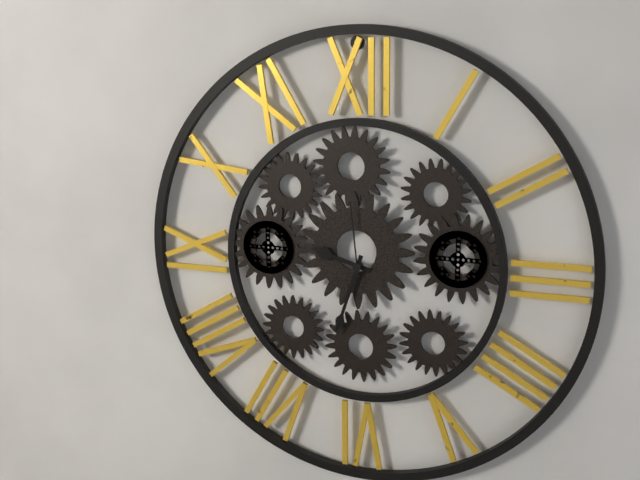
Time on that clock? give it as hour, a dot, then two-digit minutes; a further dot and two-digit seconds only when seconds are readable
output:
9.33.59
